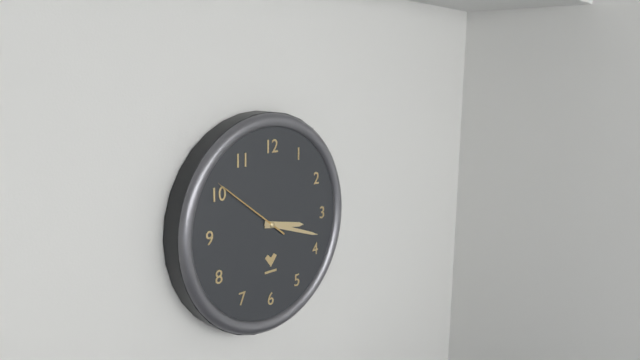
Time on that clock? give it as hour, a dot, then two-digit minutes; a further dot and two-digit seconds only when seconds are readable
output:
3.18.51
